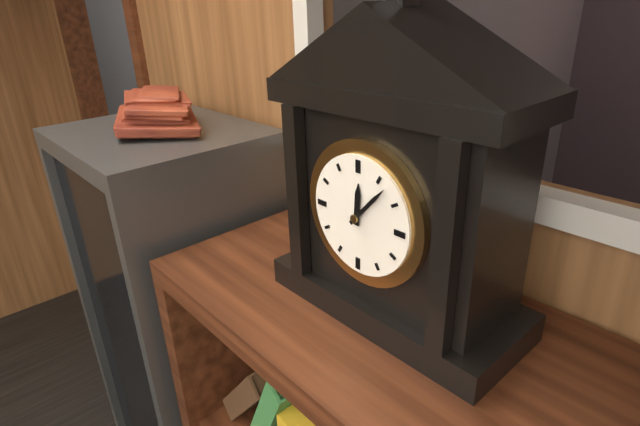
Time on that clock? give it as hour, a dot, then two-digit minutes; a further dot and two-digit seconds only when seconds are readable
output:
12.07
